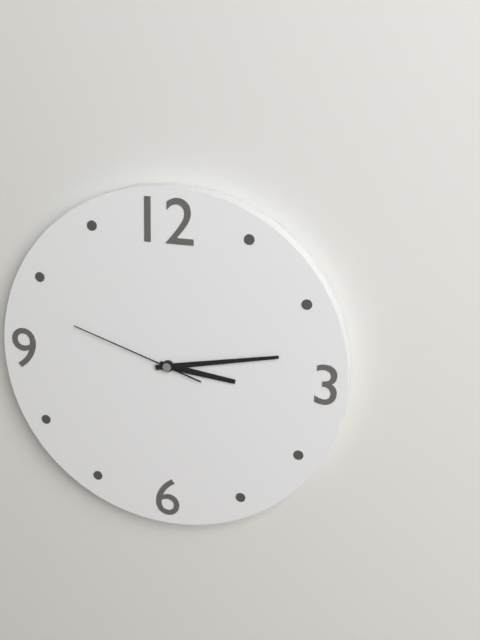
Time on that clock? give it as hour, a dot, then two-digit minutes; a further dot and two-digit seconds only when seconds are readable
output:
3.13.48
